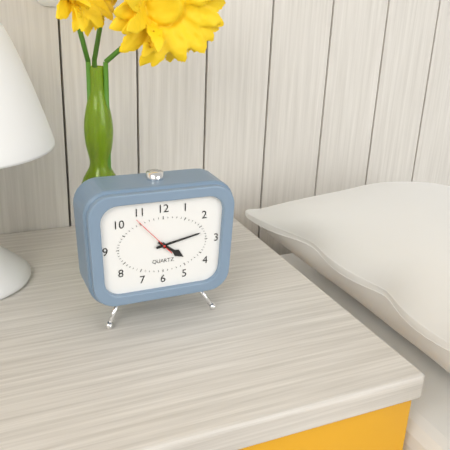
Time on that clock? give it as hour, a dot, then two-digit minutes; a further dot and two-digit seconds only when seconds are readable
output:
4.13
